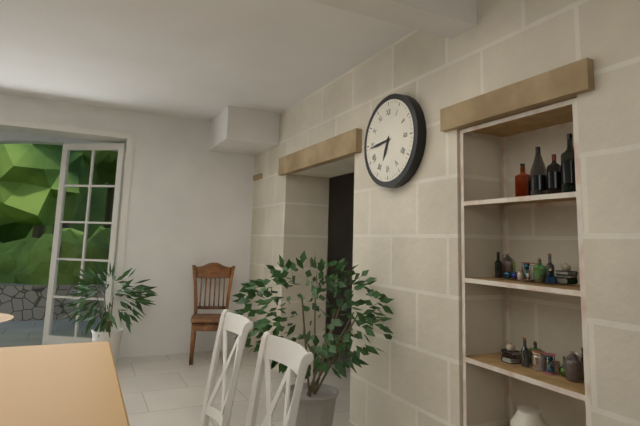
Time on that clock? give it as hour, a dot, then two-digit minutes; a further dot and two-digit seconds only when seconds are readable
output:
6.44
